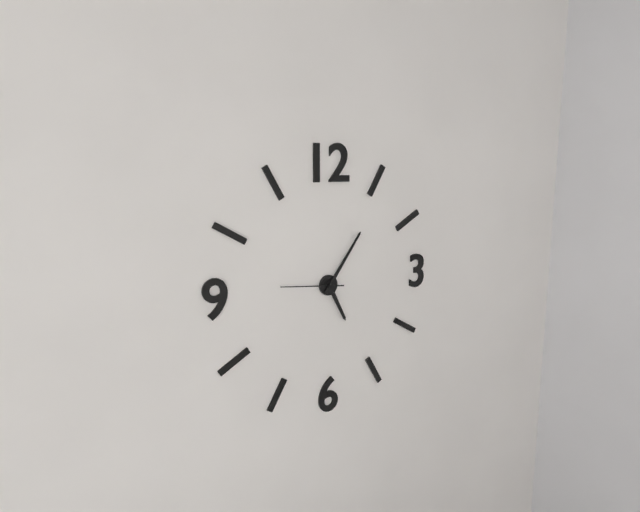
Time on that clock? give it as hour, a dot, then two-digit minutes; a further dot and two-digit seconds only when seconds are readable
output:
5.06.46
